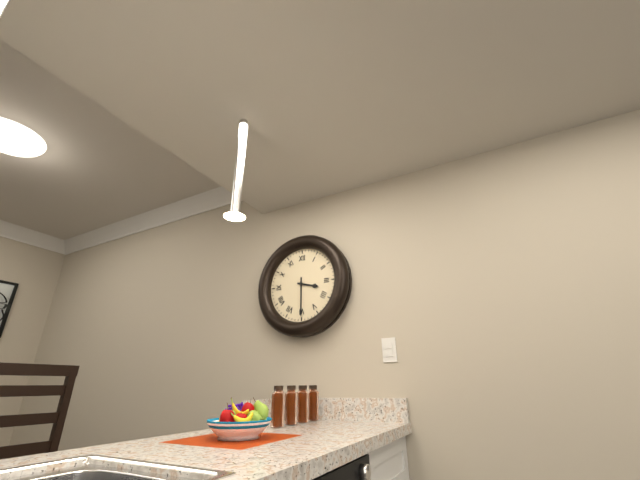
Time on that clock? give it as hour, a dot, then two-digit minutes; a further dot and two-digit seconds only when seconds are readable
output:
3.30
